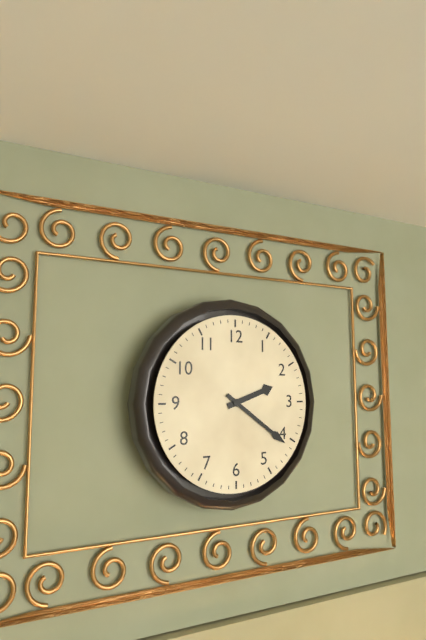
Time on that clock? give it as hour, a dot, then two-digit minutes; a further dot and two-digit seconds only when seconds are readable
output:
2.21
